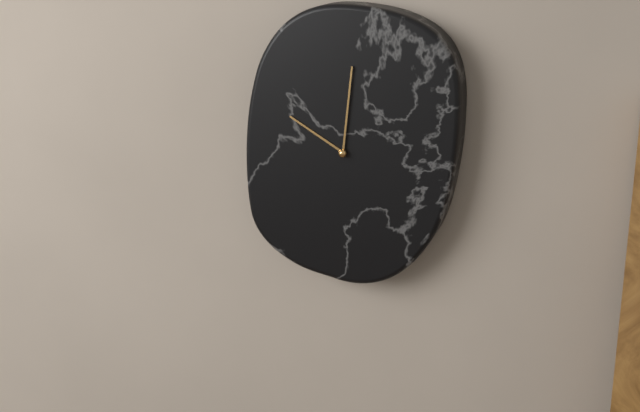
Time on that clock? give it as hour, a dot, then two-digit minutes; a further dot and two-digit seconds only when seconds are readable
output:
10.01
